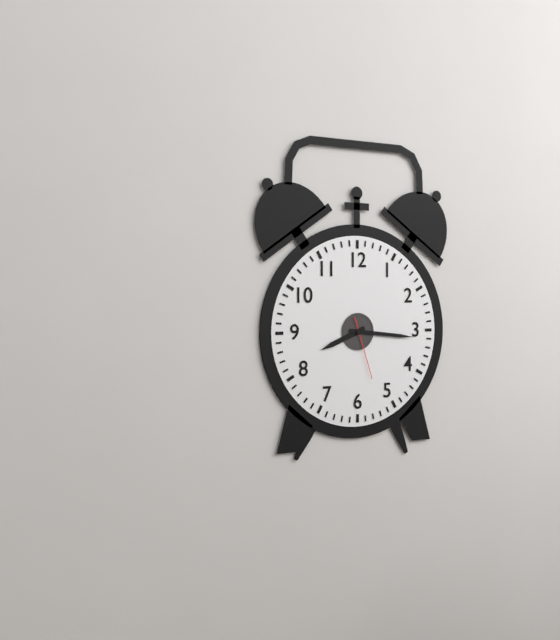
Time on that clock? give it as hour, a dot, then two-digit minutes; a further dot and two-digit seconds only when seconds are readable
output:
8.16.27
